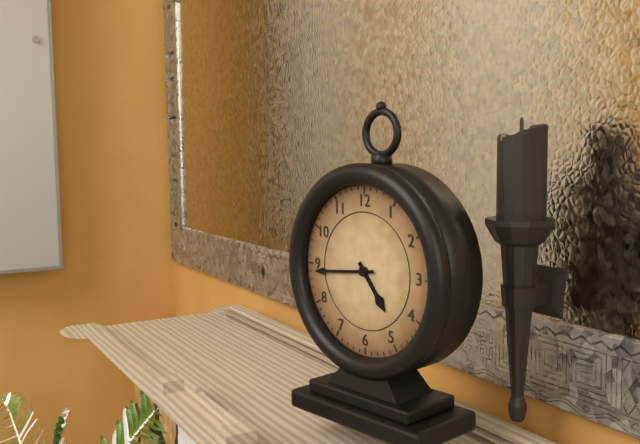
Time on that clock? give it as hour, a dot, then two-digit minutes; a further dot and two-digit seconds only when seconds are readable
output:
4.44
